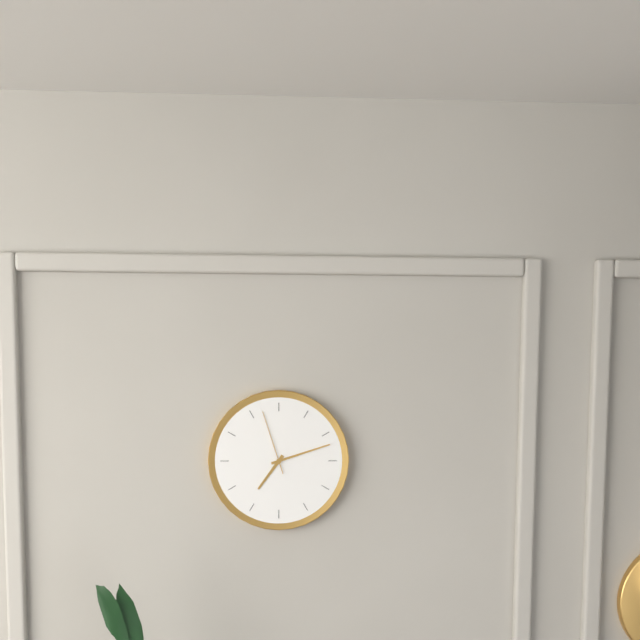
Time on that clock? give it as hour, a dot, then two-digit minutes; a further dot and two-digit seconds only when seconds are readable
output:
7.12.57
